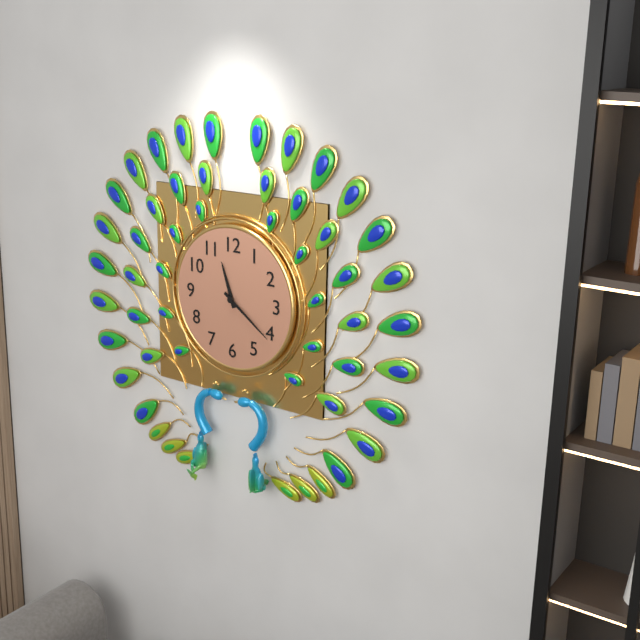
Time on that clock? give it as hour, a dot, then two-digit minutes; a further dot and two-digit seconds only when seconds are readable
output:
11.21
